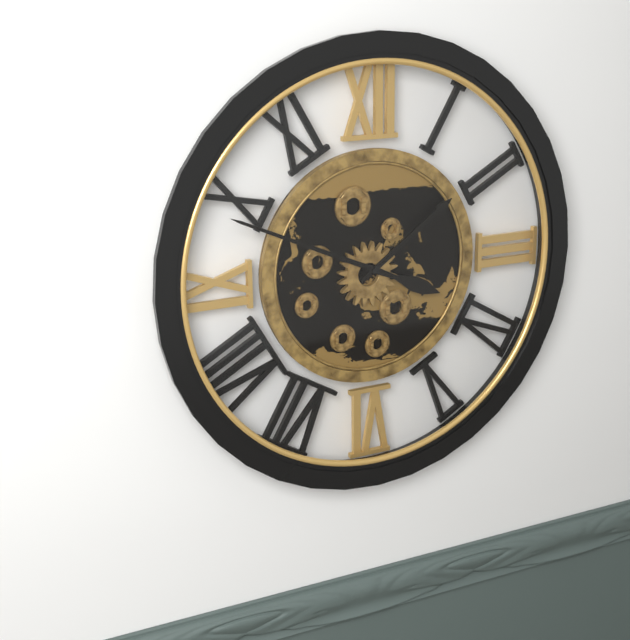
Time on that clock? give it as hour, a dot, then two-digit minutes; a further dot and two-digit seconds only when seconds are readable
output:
1.49
